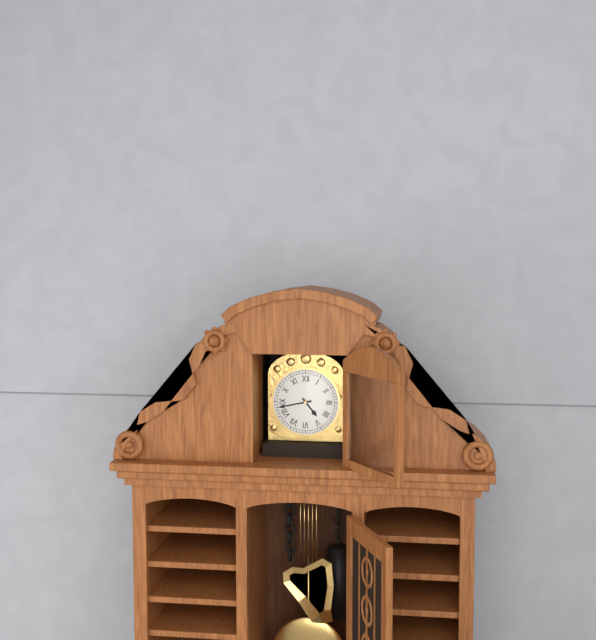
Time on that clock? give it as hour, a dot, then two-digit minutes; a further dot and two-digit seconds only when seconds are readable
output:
4.43
